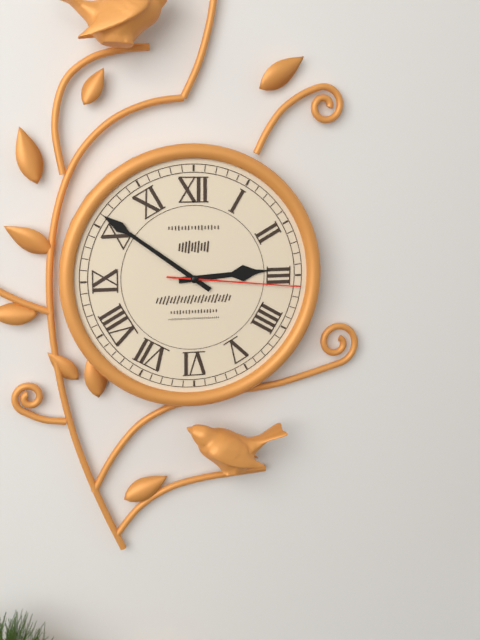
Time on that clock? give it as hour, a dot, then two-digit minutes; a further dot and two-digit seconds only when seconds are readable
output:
2.51.16
